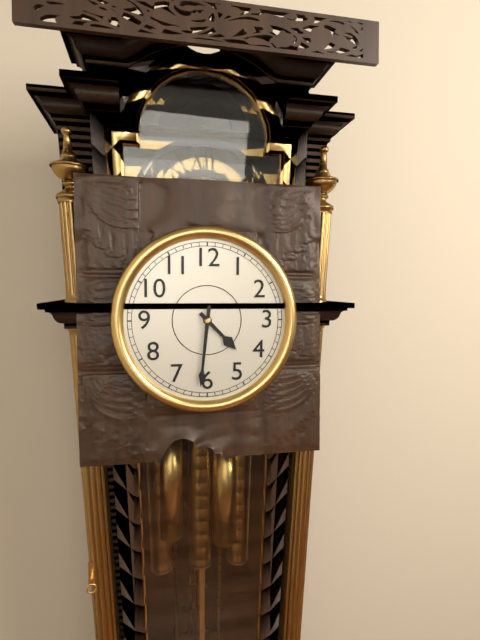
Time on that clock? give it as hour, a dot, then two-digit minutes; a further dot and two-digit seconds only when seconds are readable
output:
4.31
